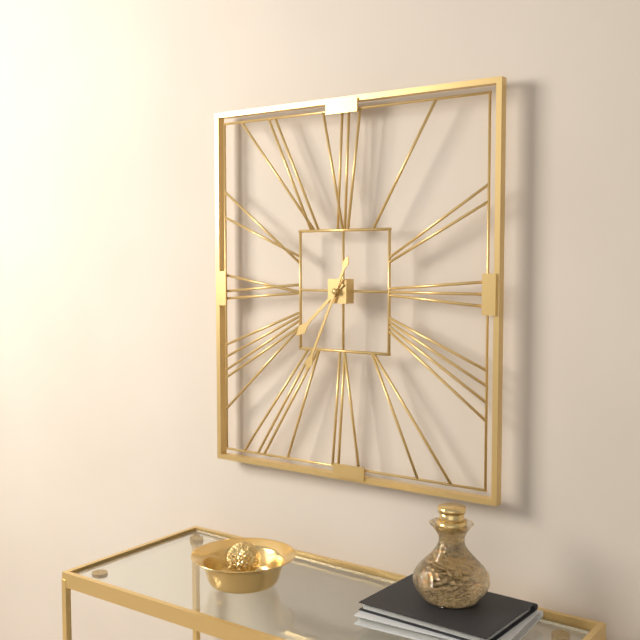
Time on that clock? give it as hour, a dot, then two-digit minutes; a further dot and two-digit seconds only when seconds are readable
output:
7.34
